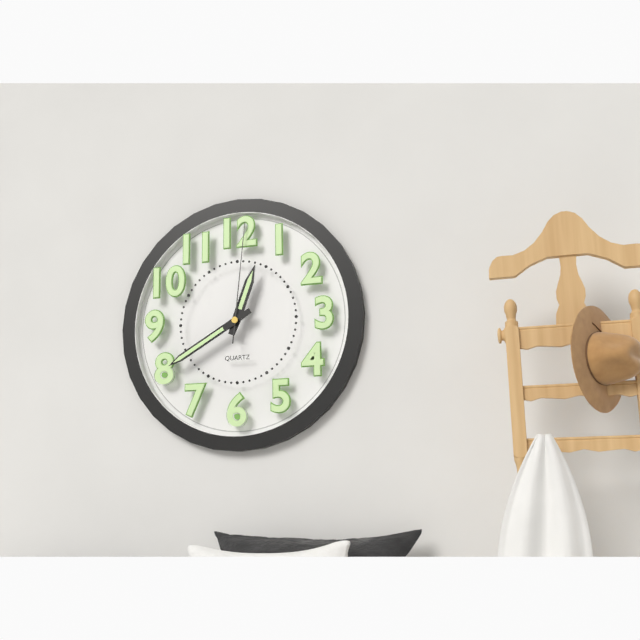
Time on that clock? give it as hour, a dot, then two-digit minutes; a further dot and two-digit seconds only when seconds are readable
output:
12.40.01
